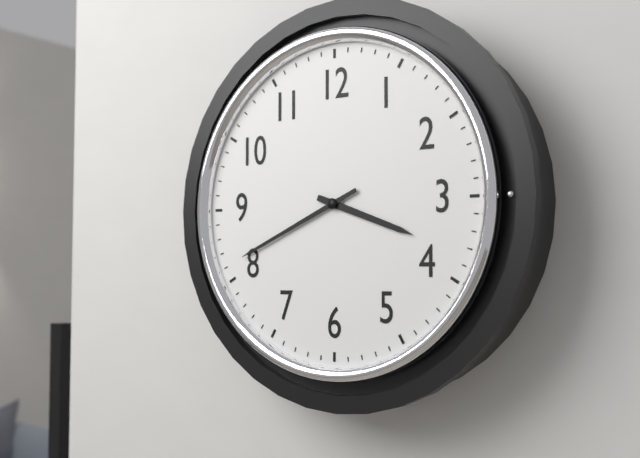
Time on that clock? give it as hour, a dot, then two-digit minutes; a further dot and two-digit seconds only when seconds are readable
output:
3.41
